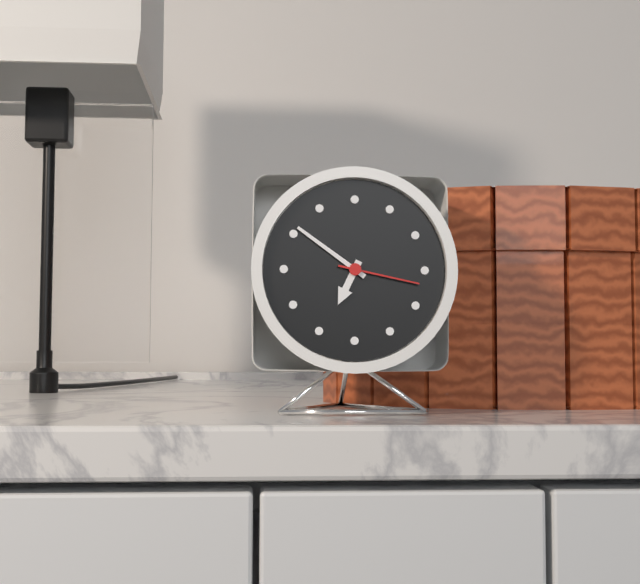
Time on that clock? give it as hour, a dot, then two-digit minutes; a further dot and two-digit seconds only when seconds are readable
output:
6.51.17
